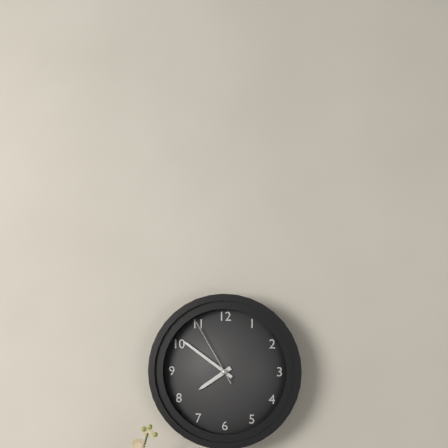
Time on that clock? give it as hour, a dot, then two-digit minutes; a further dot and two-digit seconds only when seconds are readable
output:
7.51.55
